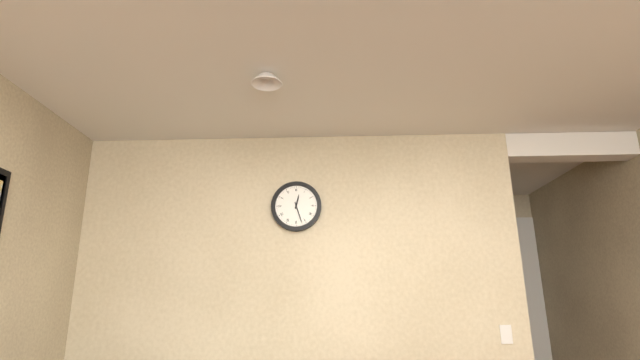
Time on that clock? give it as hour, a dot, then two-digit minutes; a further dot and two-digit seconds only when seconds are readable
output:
12.27
